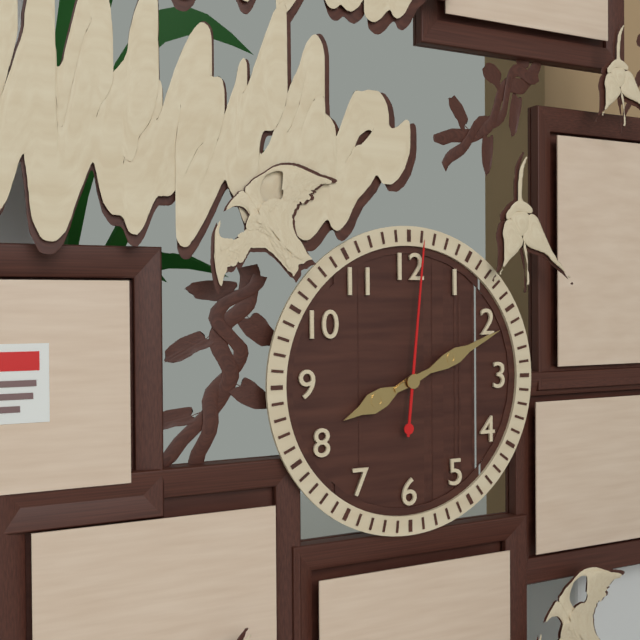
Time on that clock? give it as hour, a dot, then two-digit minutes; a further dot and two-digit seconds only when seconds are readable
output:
8.11.01
